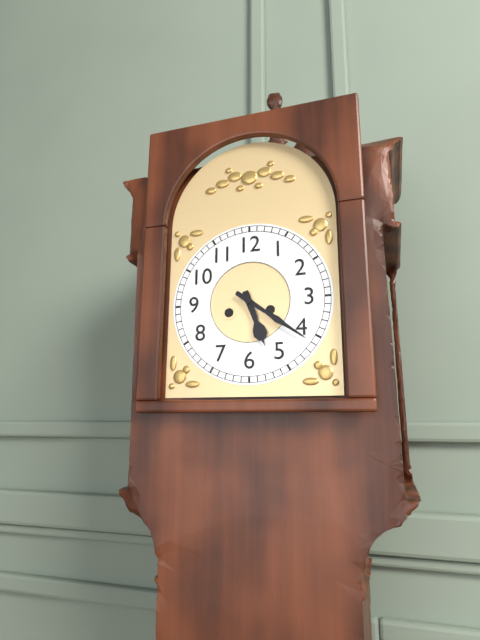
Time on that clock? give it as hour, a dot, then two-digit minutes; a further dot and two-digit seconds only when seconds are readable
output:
5.21
